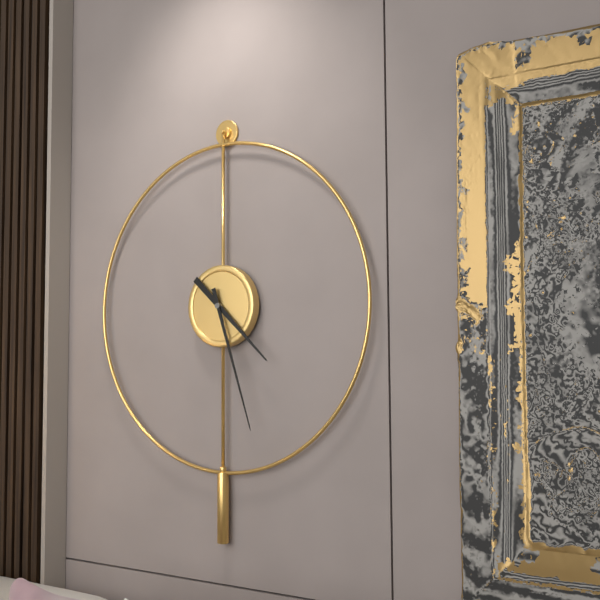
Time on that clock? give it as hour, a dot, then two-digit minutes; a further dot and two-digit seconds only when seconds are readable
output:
4.27
